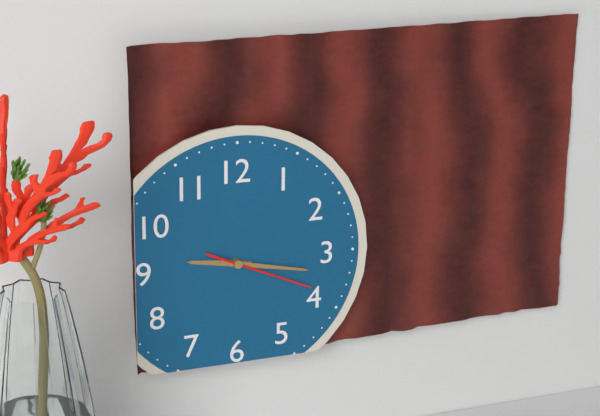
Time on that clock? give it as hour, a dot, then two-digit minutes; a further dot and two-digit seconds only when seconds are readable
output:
9.17.19
